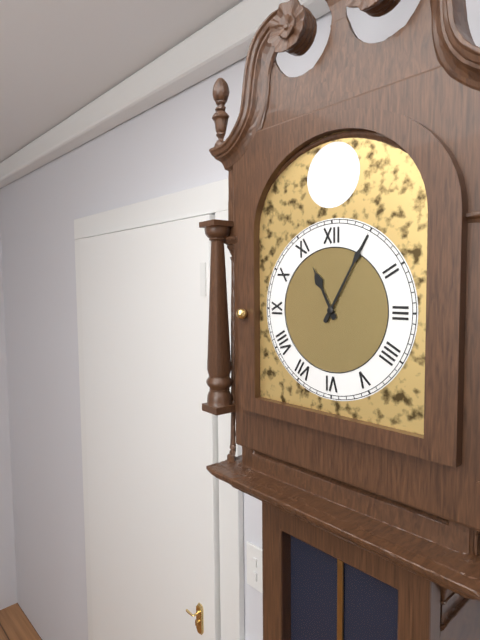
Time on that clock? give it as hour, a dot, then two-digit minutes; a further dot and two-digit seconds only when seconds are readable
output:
11.05
